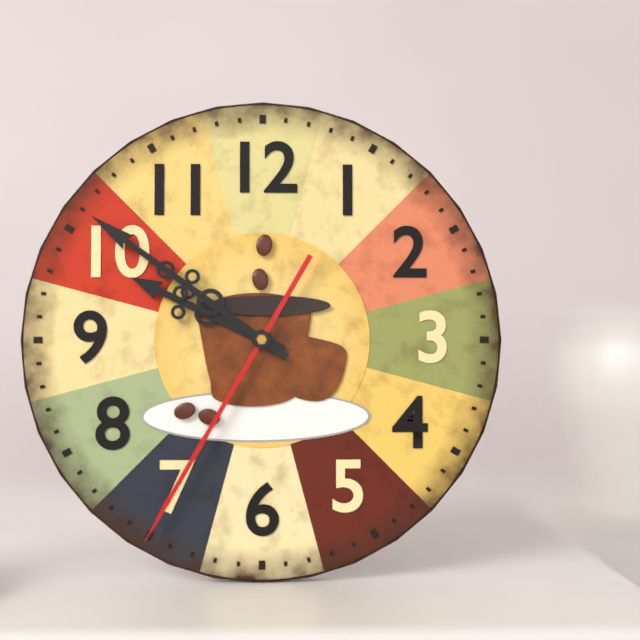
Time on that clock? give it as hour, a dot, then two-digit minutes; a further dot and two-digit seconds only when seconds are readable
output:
9.51.35
